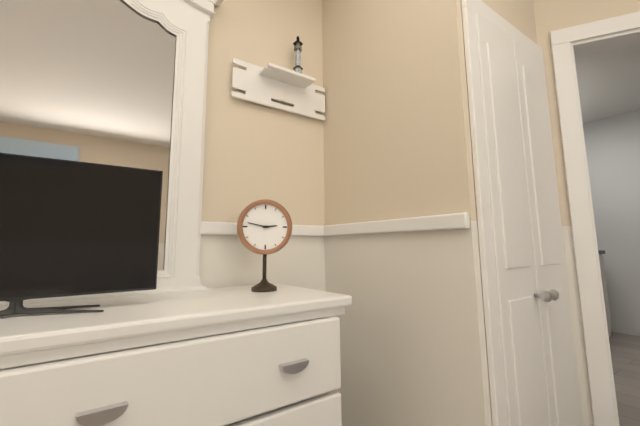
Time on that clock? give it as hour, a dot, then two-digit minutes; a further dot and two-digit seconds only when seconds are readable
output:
2.47
